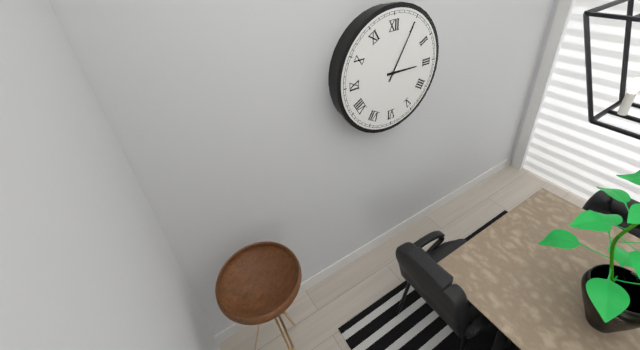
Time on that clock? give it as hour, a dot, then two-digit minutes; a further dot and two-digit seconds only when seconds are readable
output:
3.05
